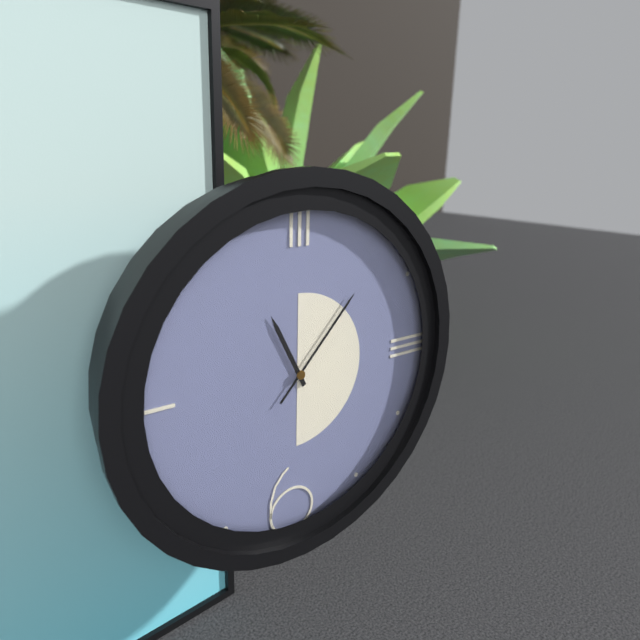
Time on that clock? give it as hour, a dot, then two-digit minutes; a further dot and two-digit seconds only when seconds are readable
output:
11.07
